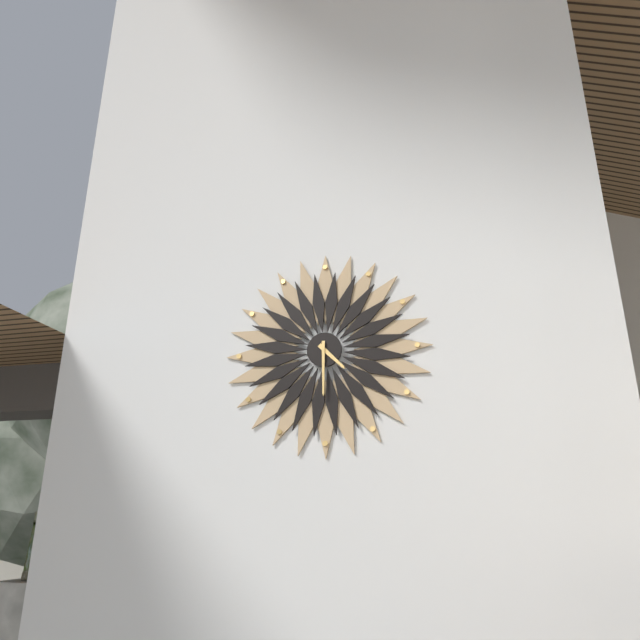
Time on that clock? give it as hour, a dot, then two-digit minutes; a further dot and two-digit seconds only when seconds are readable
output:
4.30
